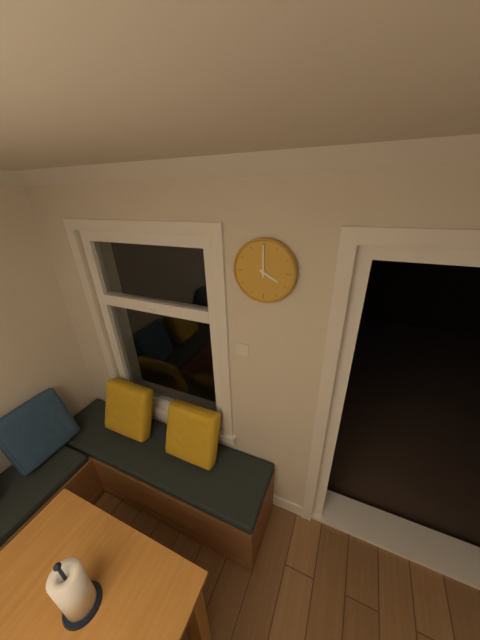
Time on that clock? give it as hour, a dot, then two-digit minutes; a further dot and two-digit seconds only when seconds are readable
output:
4.00
